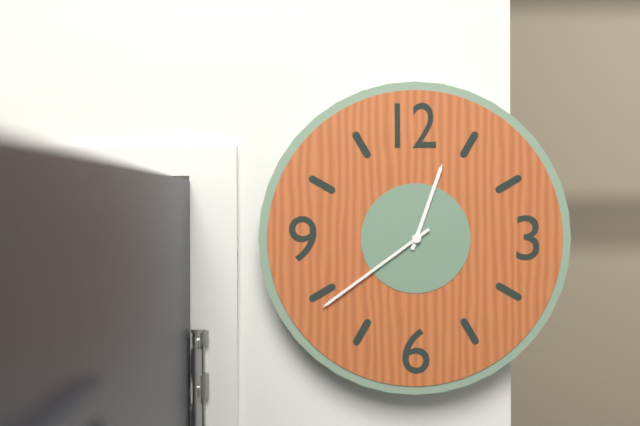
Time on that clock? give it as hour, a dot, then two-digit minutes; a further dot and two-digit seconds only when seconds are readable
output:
12.39
